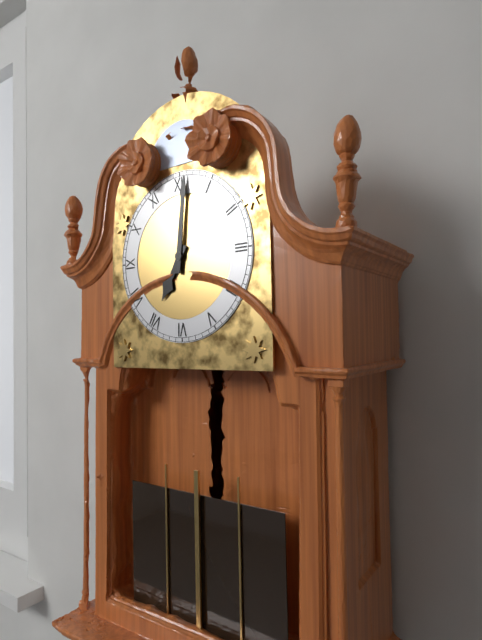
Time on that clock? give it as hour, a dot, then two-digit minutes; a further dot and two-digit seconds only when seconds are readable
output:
7.01
